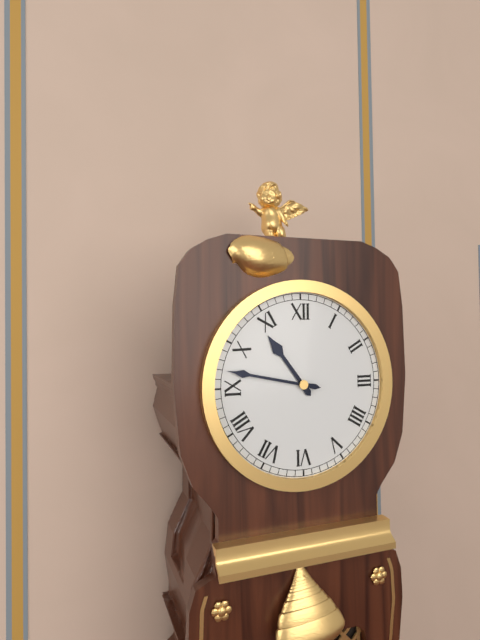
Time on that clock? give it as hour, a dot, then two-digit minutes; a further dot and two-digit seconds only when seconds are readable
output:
10.47
